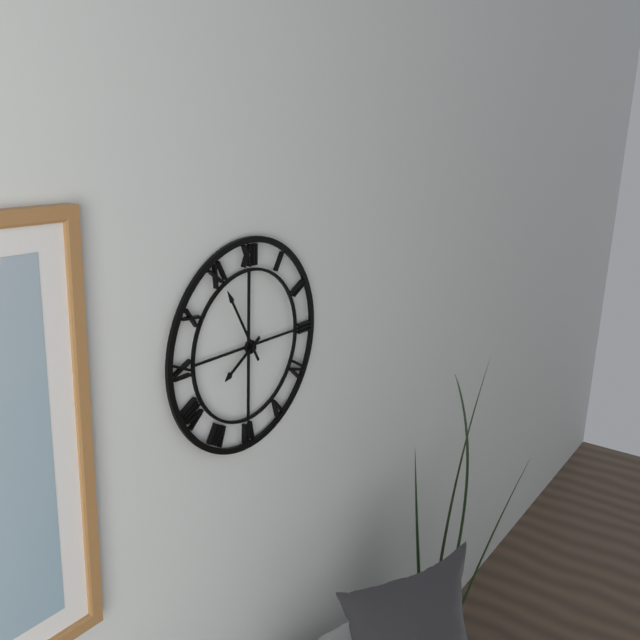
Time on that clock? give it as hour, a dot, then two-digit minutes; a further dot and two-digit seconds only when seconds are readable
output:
7.55
